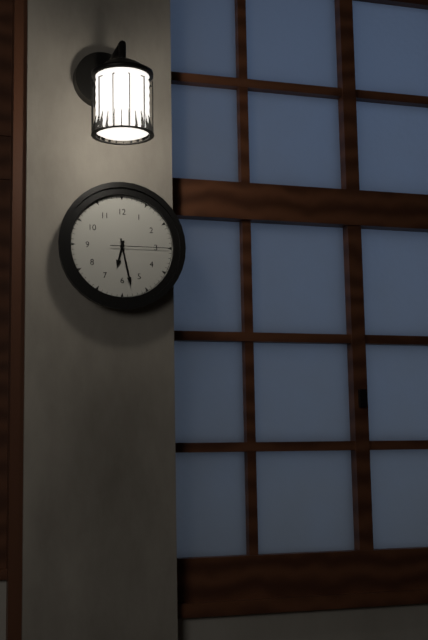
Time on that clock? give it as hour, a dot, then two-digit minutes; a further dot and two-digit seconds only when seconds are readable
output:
6.28.15
